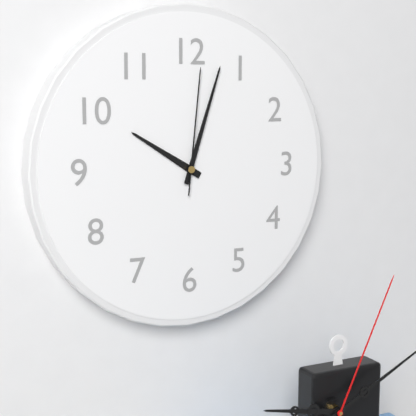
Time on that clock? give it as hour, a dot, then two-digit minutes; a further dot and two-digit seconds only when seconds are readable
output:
10.03.01
